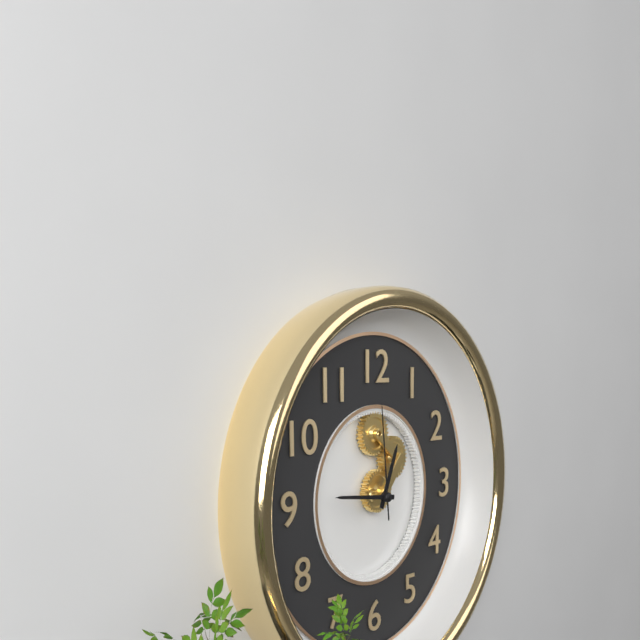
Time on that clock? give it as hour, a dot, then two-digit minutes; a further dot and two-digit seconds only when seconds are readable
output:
12.46.59
